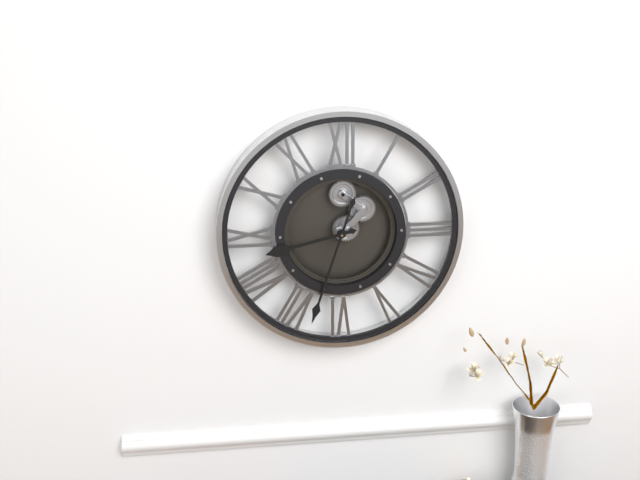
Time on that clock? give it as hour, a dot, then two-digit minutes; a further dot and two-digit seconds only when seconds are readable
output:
8.33
